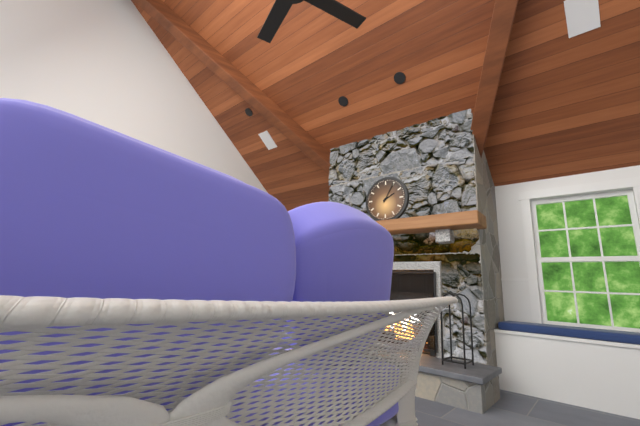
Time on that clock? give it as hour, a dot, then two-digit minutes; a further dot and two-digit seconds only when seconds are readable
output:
2.05
